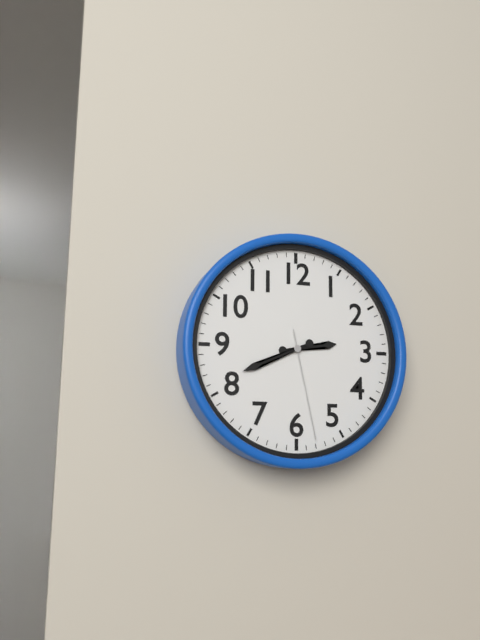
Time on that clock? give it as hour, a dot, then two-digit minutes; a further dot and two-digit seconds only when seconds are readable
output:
2.41.28
